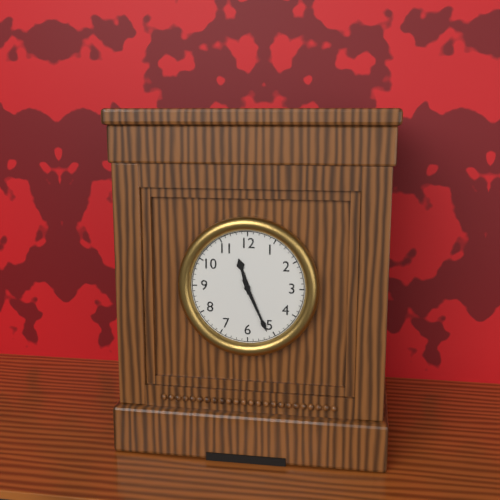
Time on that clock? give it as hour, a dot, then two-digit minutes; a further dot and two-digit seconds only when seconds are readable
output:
11.26
